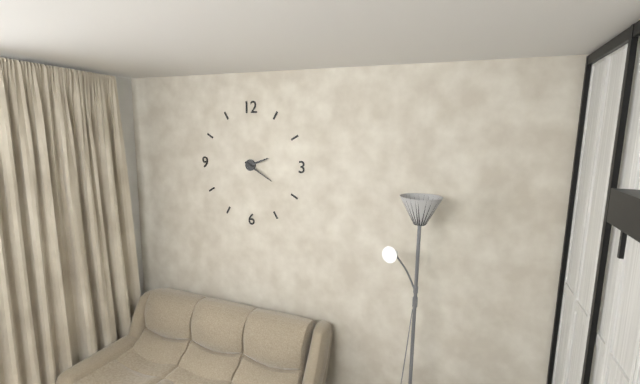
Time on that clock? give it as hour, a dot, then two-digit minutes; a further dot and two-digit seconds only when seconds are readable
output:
2.20
